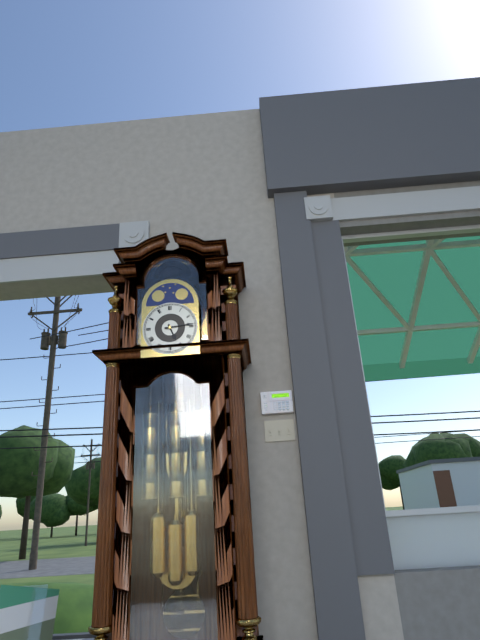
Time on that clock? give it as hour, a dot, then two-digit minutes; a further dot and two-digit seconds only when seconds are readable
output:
5.14
